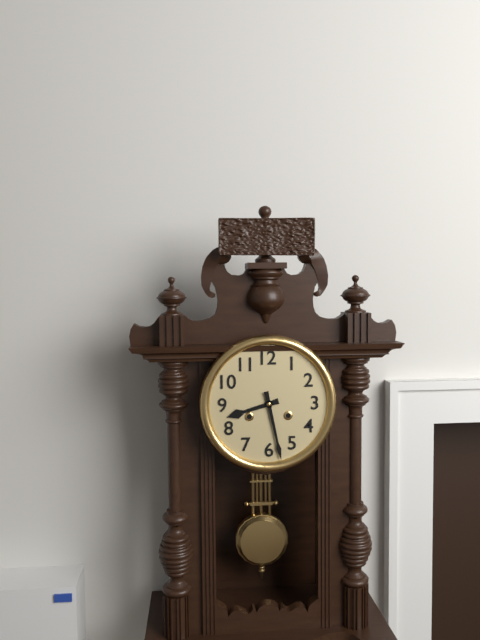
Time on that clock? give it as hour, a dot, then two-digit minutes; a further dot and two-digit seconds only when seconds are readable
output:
8.28
